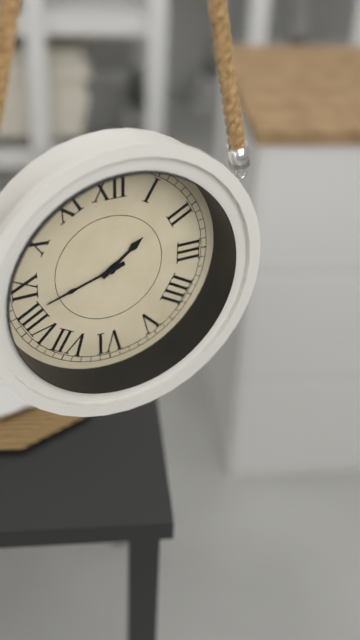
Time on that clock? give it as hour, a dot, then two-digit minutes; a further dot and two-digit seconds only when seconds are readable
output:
1.42
